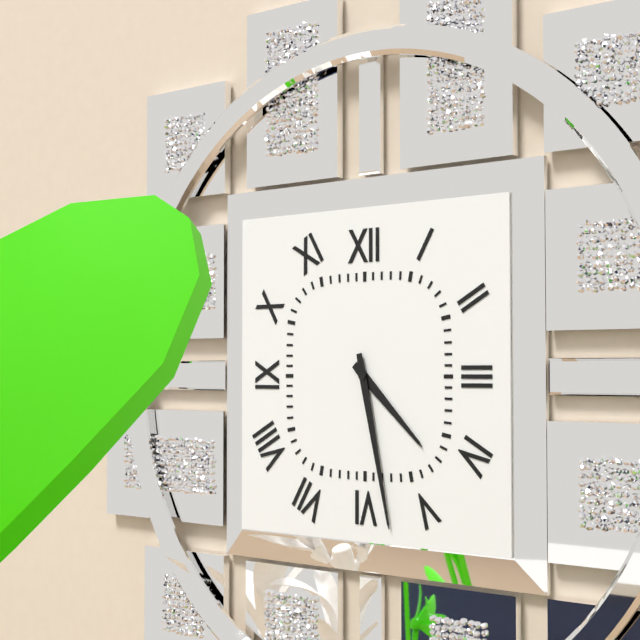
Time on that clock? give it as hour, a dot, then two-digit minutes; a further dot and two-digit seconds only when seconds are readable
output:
4.28
